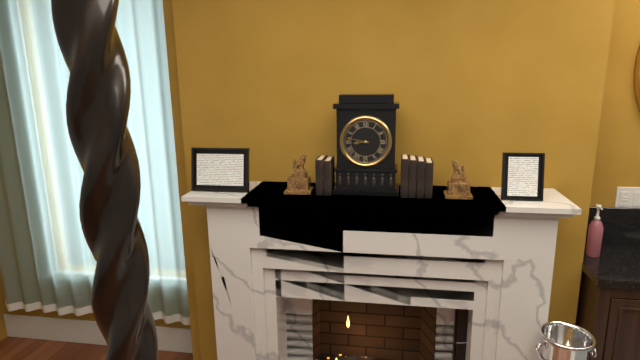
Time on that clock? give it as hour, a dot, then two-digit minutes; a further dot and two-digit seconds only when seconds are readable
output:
8.47
